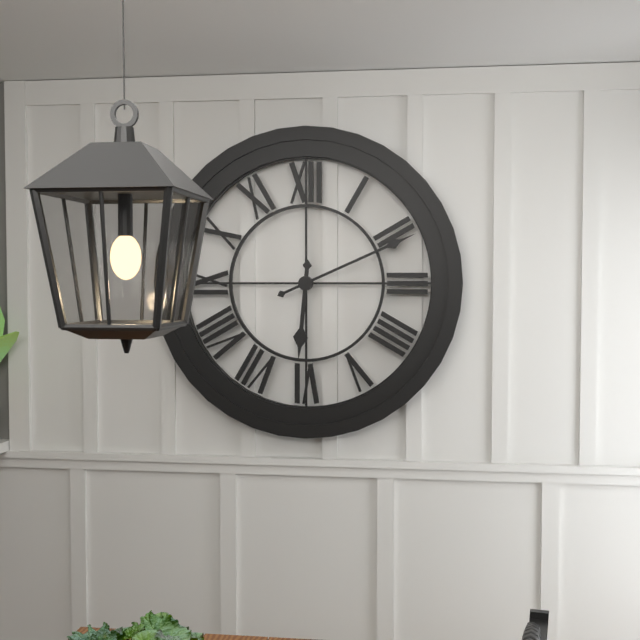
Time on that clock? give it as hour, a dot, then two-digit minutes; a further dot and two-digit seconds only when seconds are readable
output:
6.11
